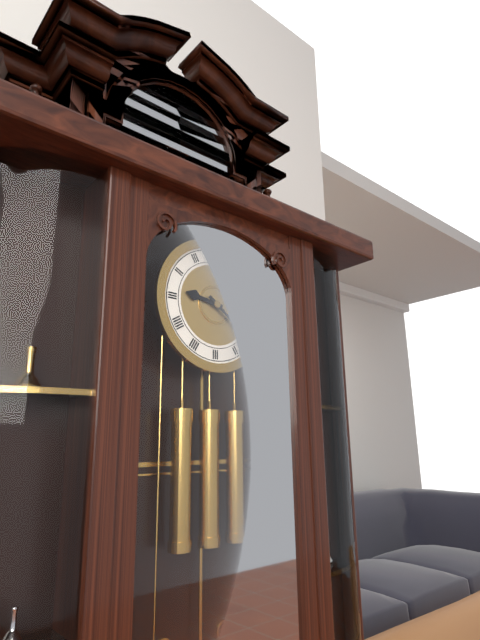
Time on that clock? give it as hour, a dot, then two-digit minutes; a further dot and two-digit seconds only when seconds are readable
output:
9.21
